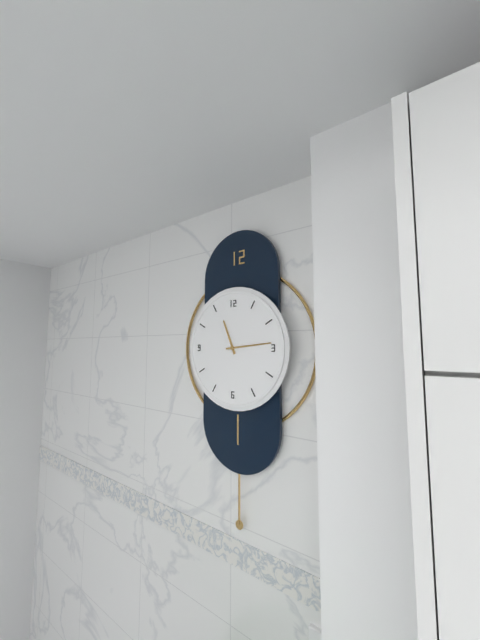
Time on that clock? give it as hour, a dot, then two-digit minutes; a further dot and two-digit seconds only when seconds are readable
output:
11.14
